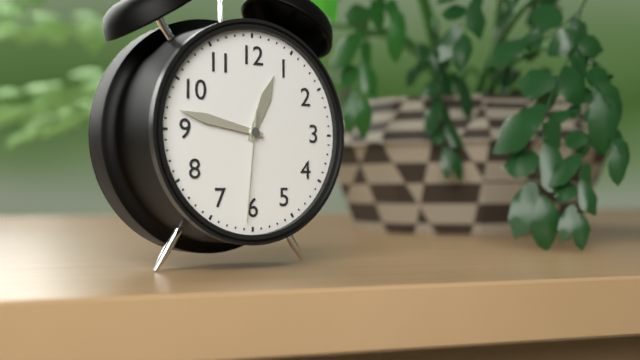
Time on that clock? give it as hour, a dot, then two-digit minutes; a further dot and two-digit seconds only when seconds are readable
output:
12.47.31
